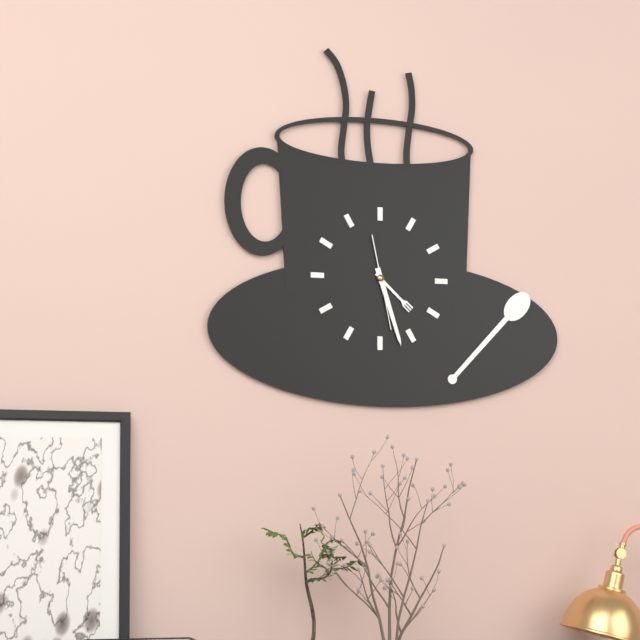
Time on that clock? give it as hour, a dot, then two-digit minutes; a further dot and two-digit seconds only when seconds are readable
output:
4.27.28
